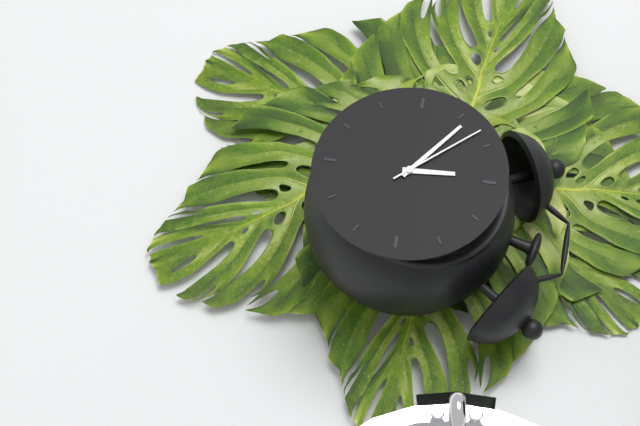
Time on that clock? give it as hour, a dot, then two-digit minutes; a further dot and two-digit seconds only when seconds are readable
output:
11.51.53
